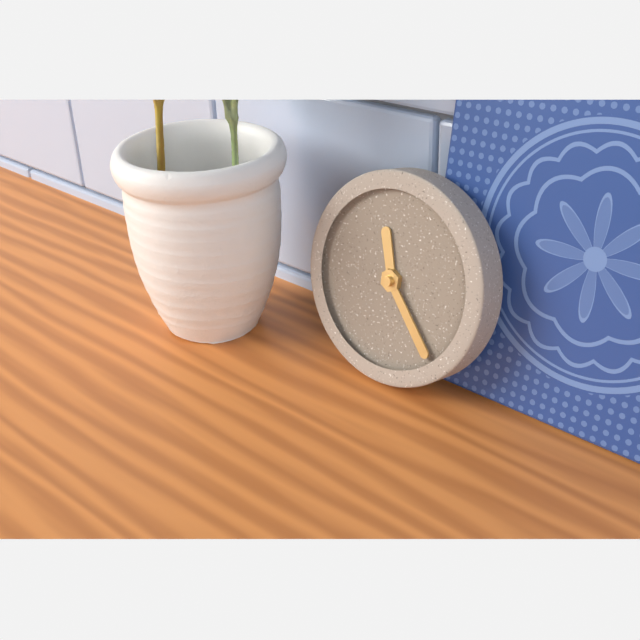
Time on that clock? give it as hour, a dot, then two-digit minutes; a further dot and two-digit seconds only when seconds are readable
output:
11.23
